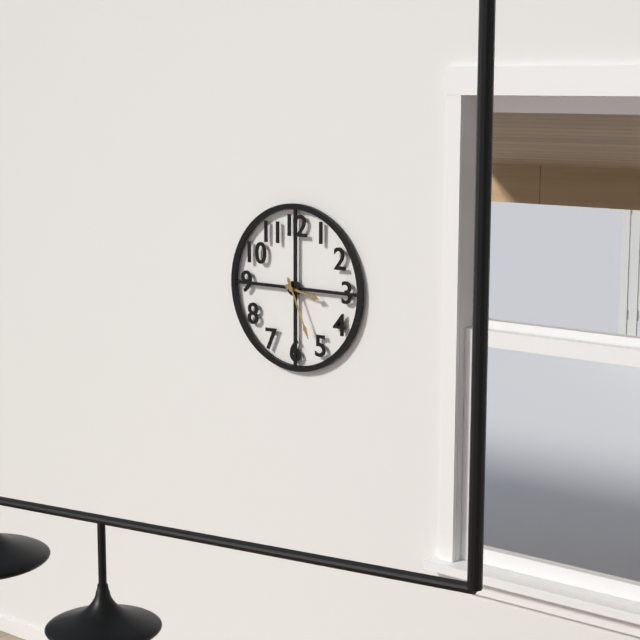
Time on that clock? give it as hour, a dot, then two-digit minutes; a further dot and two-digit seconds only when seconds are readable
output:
3.26
